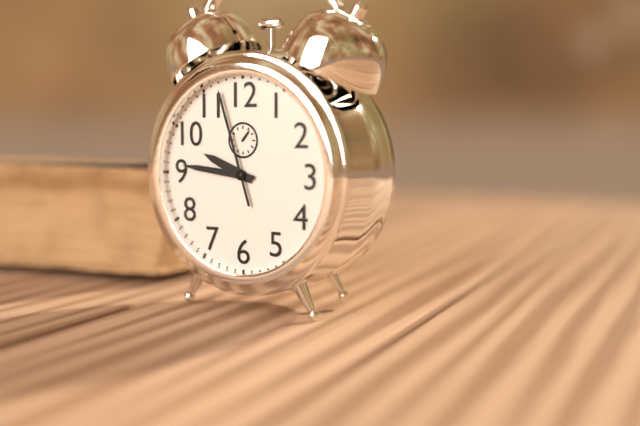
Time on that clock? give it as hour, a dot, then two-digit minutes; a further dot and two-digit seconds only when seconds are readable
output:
9.46.57
